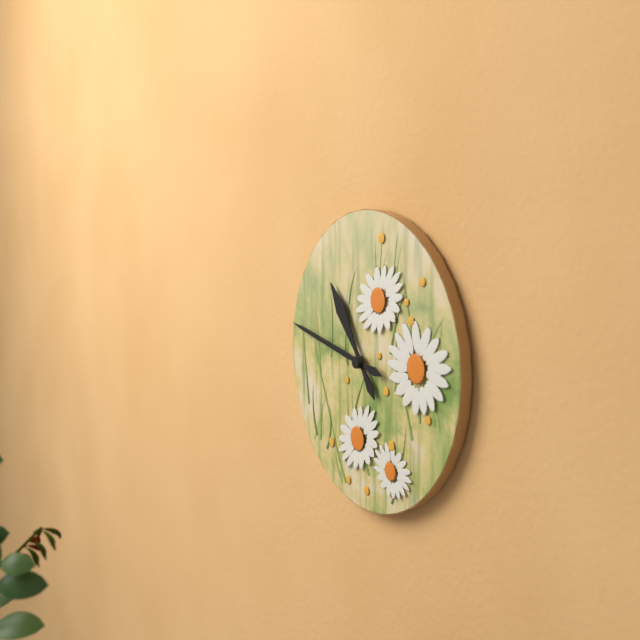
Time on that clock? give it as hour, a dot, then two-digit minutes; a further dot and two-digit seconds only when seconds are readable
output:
10.47
